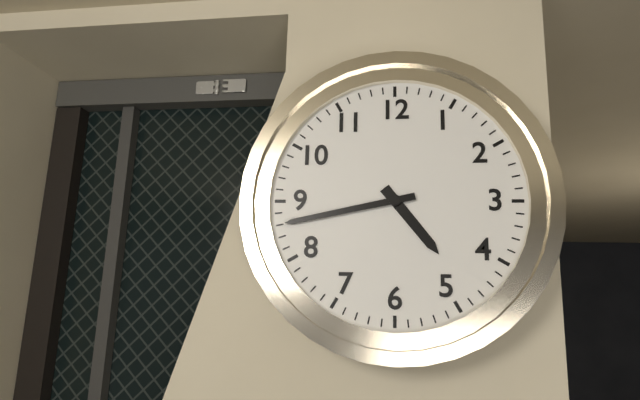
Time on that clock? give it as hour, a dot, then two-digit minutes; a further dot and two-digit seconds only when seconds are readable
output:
4.43
